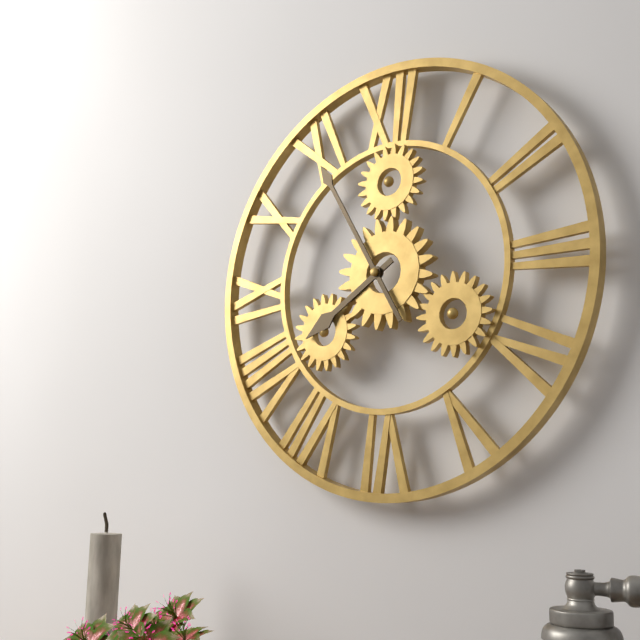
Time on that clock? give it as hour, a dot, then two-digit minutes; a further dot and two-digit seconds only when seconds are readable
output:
7.55
